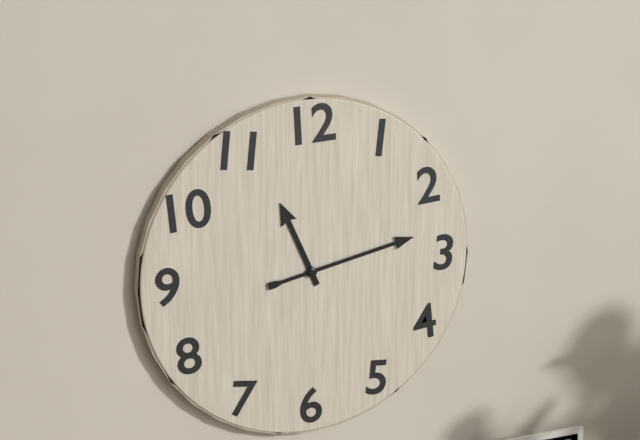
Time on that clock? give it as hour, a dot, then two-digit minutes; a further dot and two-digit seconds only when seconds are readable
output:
11.13
